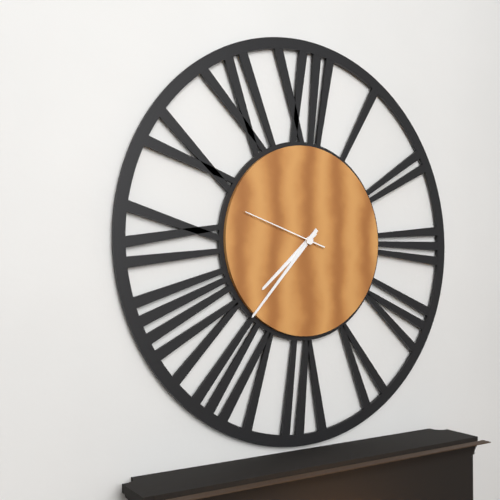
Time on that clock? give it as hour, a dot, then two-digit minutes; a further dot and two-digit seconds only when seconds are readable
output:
7.37.48
